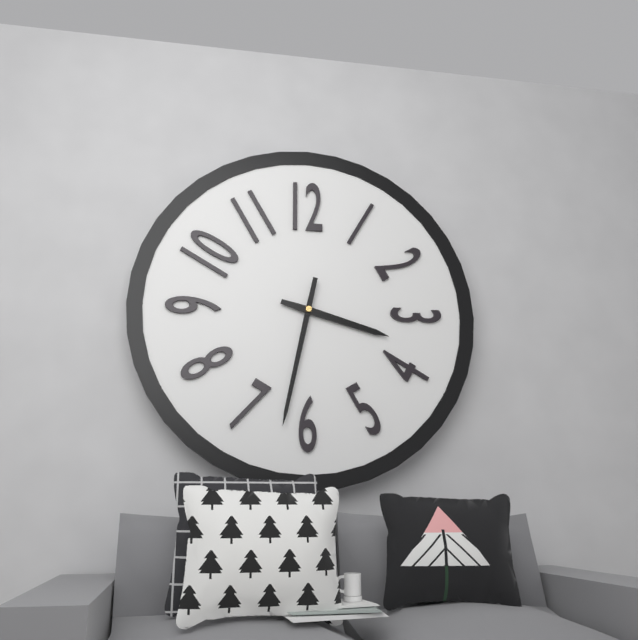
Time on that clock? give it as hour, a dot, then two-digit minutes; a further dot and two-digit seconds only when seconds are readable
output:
3.32.32
